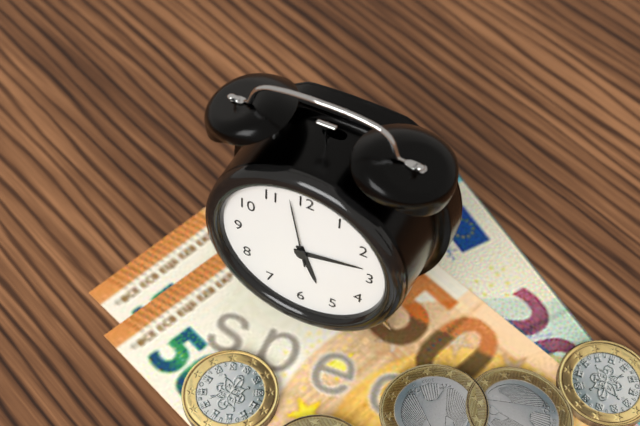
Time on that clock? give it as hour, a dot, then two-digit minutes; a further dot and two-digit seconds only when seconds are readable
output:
5.13.58
